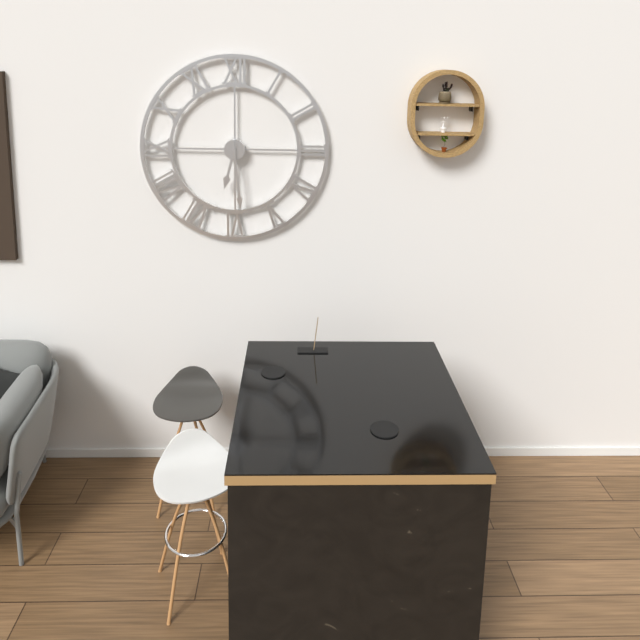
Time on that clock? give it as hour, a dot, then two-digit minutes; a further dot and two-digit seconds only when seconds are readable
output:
6.29
